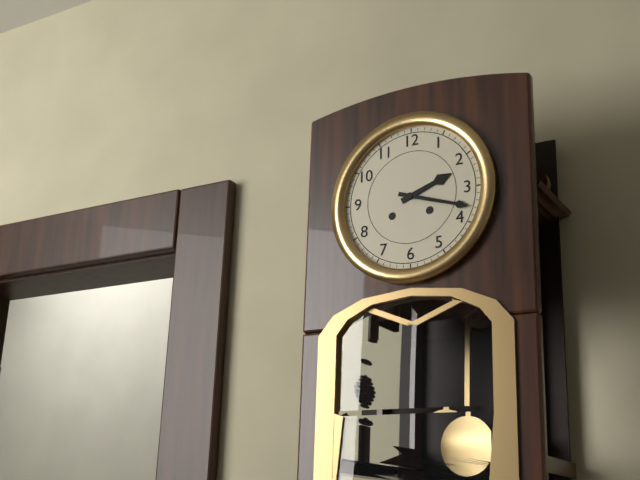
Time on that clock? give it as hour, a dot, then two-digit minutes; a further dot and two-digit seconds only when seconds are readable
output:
2.18
